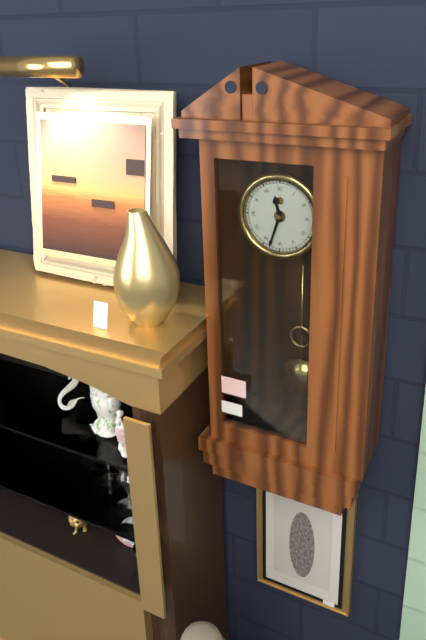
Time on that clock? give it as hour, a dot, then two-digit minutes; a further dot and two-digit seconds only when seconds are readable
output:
11.33
